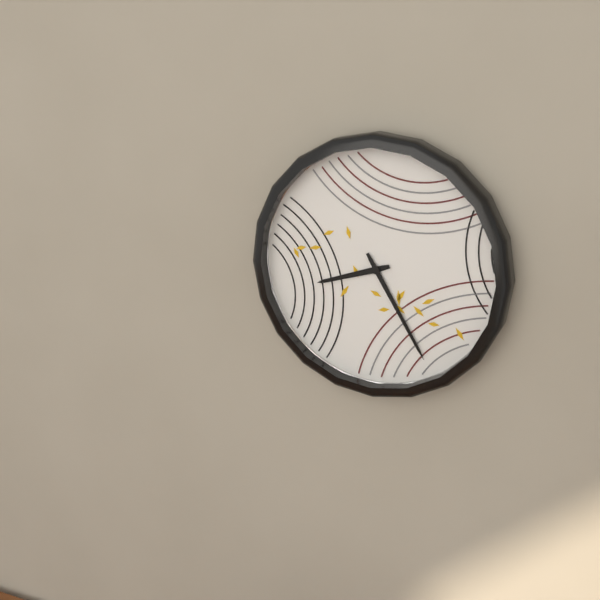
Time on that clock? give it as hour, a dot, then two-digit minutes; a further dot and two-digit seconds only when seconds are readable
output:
8.25
